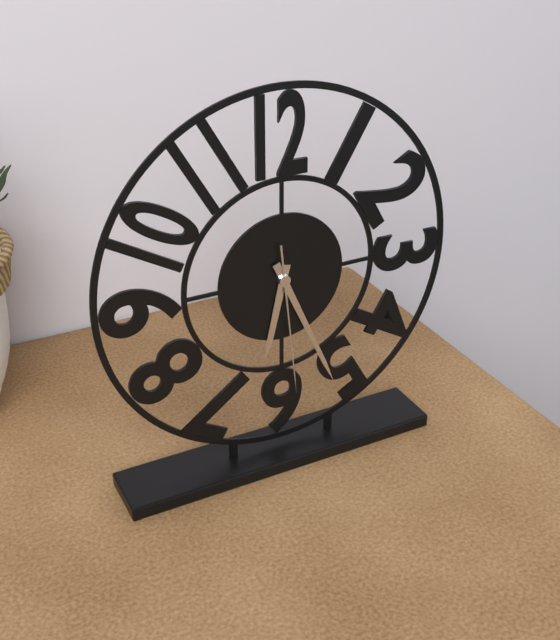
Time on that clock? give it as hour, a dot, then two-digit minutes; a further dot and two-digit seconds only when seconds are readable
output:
6.26.29
